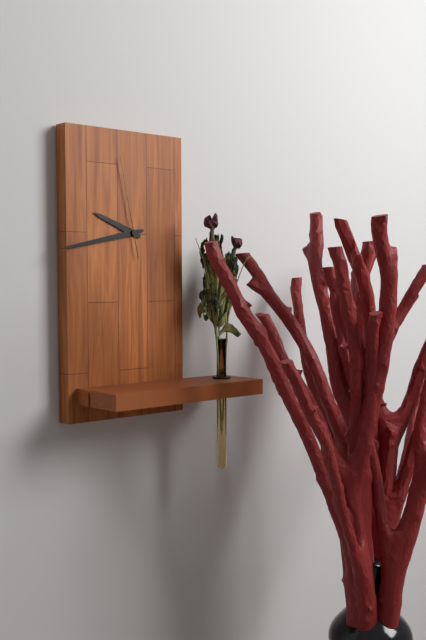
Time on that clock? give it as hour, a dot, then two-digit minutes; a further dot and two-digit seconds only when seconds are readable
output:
9.43.58
